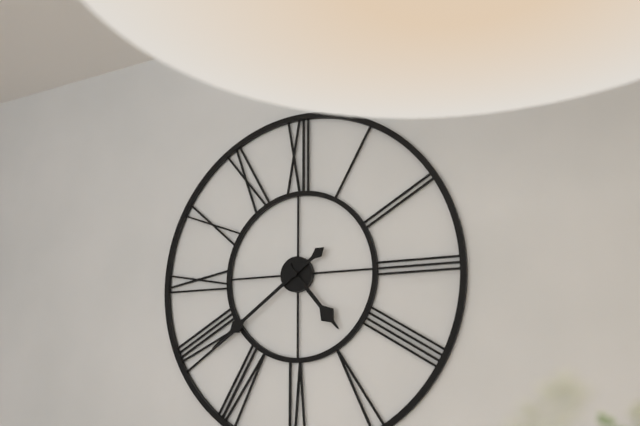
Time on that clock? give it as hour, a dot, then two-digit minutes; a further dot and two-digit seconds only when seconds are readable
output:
4.39
